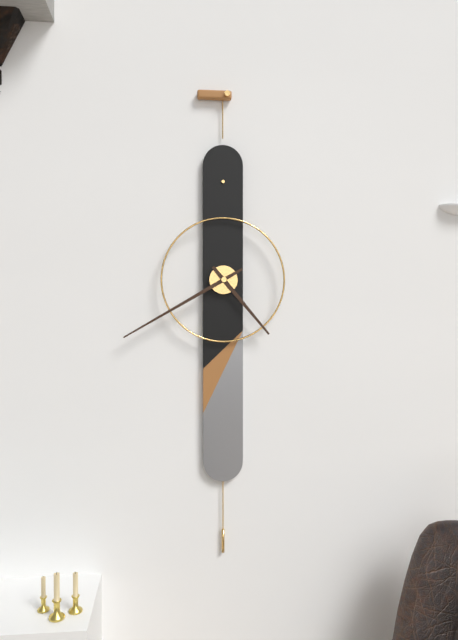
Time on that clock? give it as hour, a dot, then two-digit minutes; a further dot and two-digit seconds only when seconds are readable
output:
4.40
